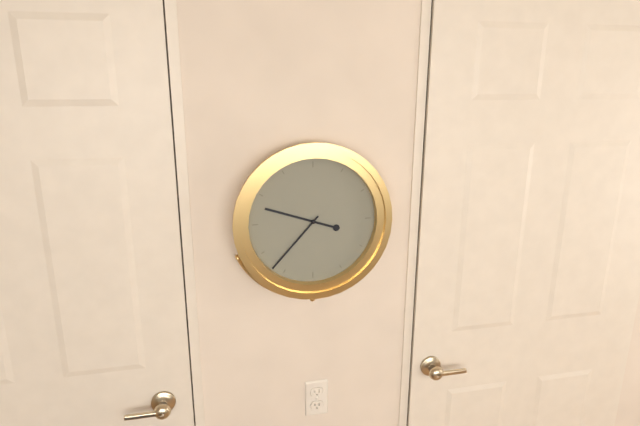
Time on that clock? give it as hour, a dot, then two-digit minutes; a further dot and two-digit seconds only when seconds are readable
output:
9.37
